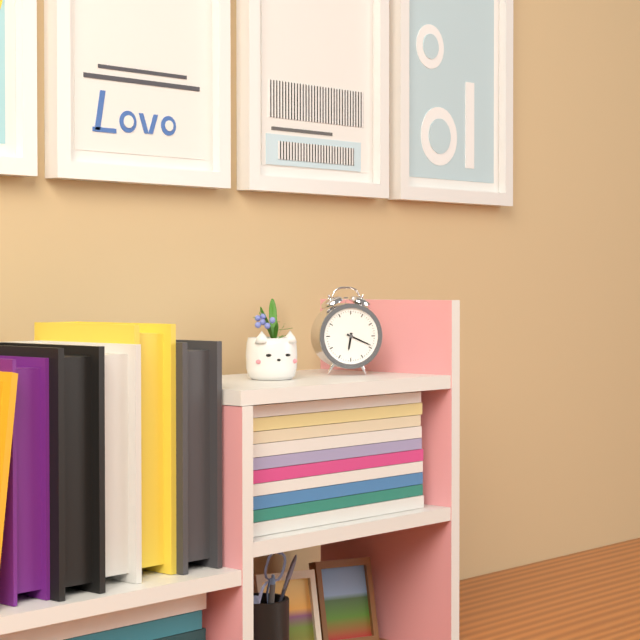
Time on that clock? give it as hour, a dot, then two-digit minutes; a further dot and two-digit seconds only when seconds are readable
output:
6.19
